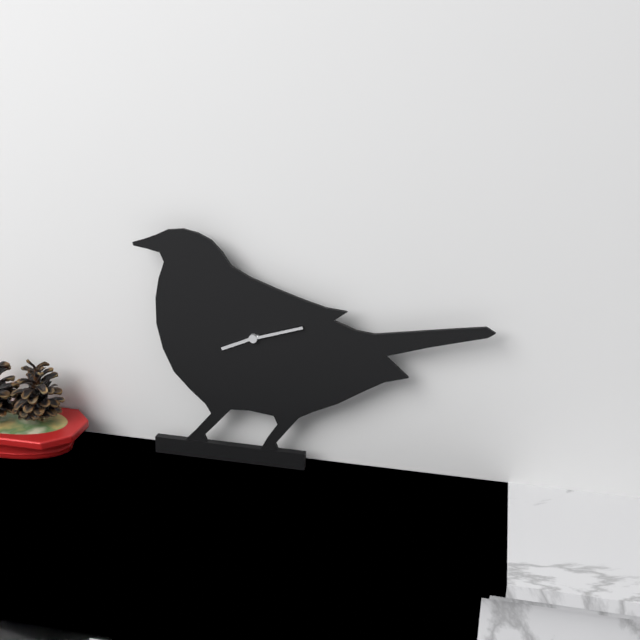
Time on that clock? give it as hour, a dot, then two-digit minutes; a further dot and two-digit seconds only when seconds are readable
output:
8.12
